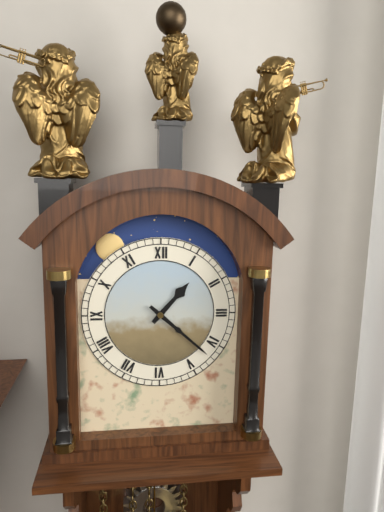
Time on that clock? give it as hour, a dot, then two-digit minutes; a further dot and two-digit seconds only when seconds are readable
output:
1.22
